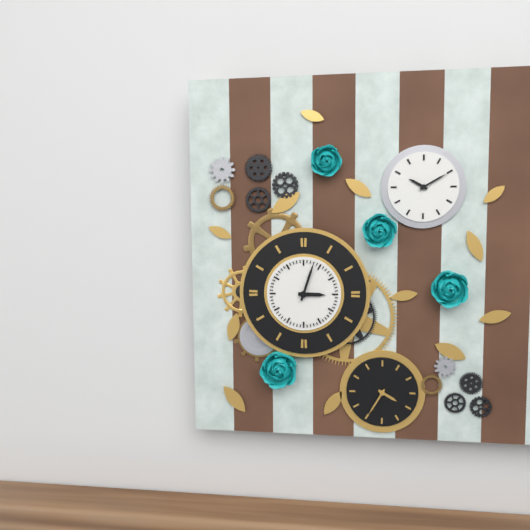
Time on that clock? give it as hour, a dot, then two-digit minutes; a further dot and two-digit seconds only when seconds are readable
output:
3.03
